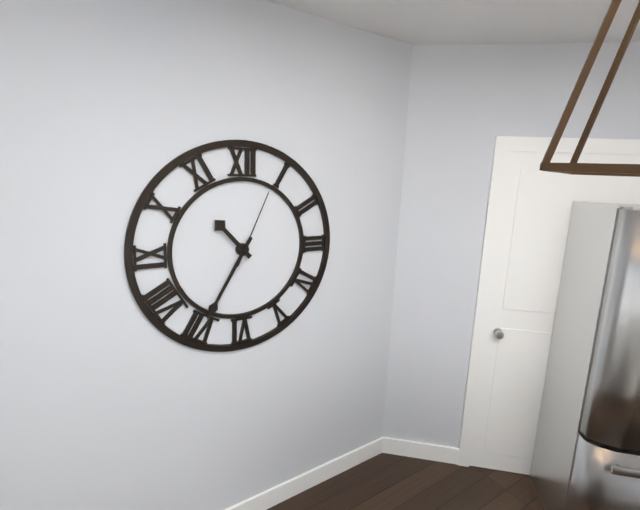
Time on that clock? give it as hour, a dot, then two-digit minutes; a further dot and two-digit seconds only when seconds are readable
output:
10.35.04
